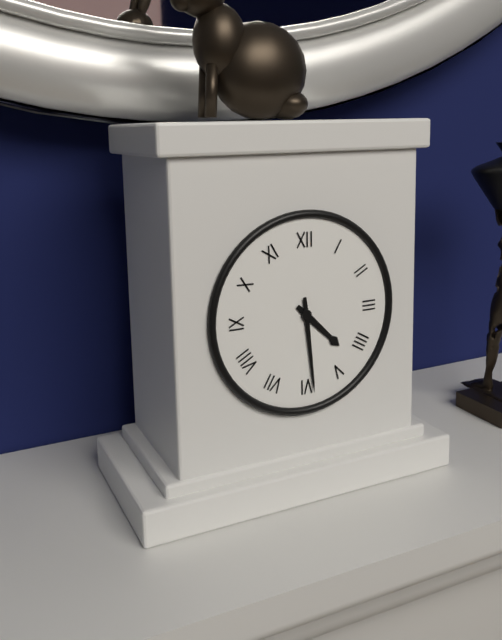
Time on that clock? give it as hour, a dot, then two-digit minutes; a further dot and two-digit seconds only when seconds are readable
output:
4.29
